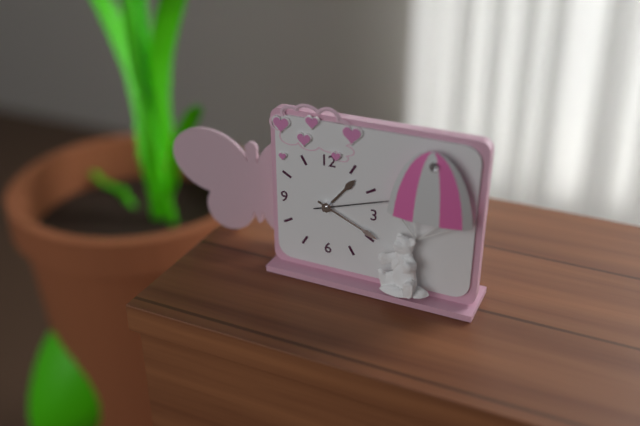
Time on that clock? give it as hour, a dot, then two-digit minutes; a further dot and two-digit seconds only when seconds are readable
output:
1.19.12
